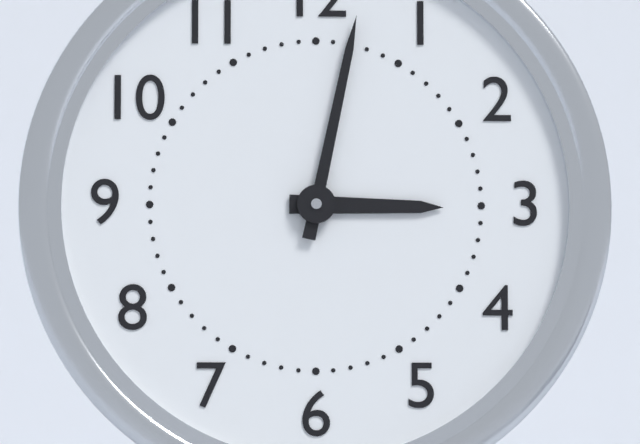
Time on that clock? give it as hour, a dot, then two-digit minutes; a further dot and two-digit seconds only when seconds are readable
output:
3.02
